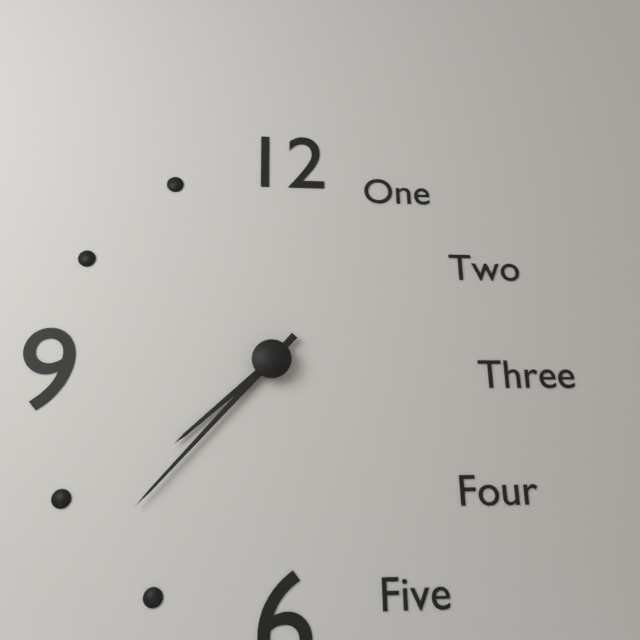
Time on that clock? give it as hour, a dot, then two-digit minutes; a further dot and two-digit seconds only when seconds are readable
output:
7.37
